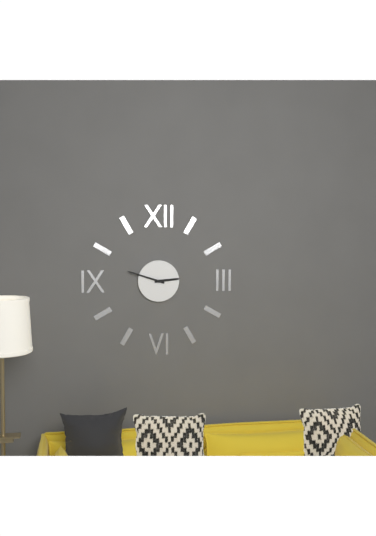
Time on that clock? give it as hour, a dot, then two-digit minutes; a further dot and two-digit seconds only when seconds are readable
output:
2.48
